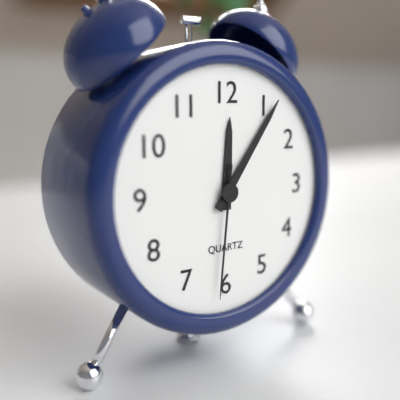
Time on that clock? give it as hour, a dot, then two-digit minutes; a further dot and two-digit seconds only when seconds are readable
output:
12.06.31
